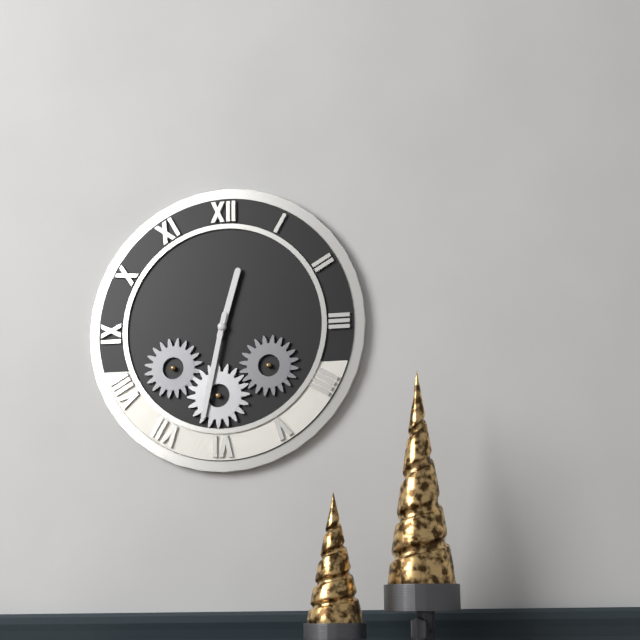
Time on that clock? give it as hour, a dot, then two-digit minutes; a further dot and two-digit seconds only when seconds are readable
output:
12.32
